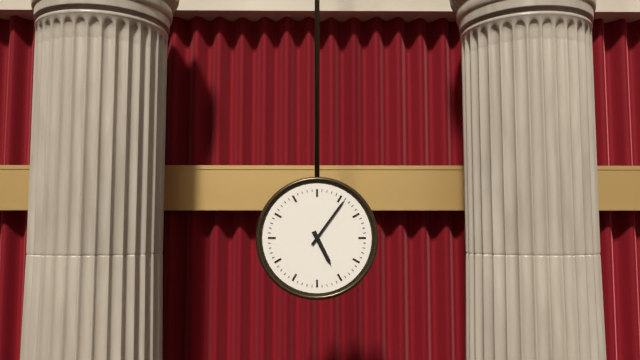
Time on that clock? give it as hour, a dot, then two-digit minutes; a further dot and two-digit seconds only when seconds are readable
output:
5.06
